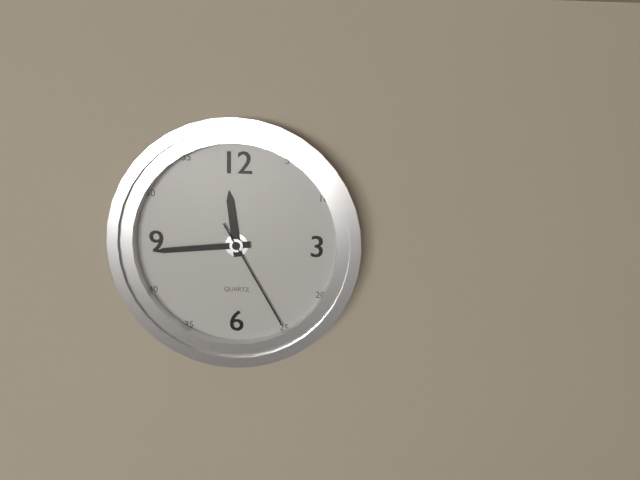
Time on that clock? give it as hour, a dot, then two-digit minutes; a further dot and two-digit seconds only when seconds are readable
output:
11.44.25
